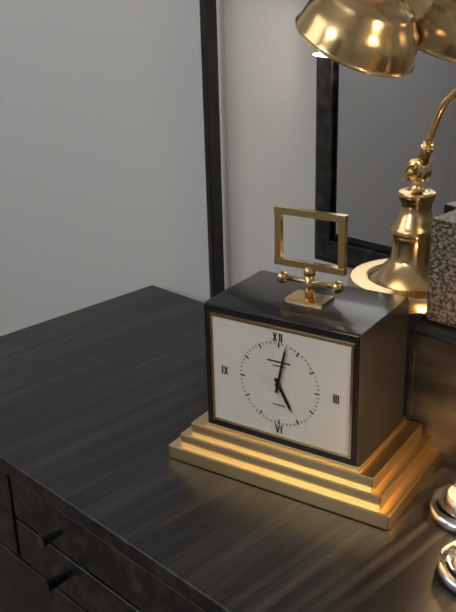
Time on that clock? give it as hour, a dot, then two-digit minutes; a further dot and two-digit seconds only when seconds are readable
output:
5.02
